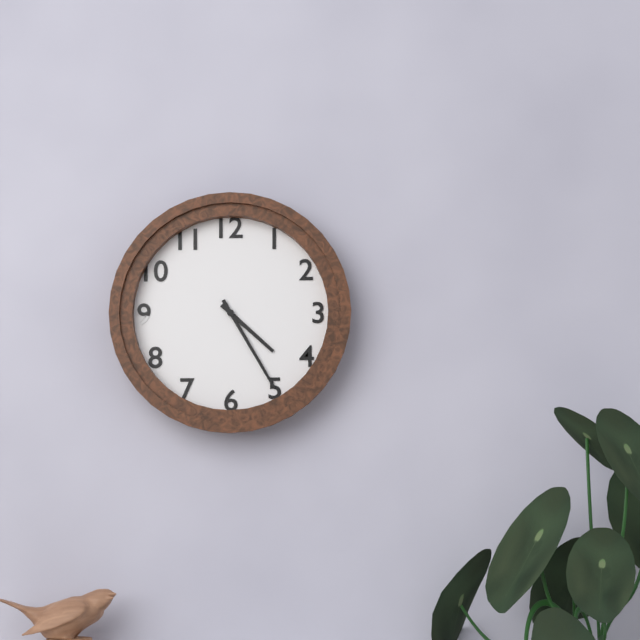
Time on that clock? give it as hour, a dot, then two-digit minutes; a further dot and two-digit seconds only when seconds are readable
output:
4.25
